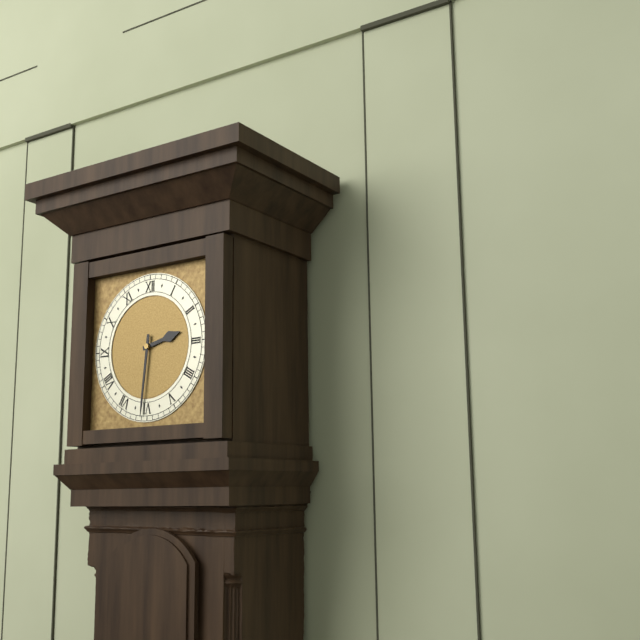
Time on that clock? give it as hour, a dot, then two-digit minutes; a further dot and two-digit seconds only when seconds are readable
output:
2.31
